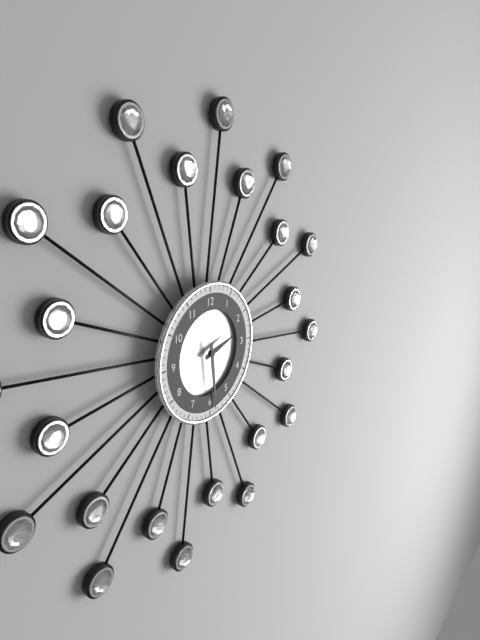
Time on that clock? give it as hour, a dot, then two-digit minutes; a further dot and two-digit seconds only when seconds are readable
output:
2.29
